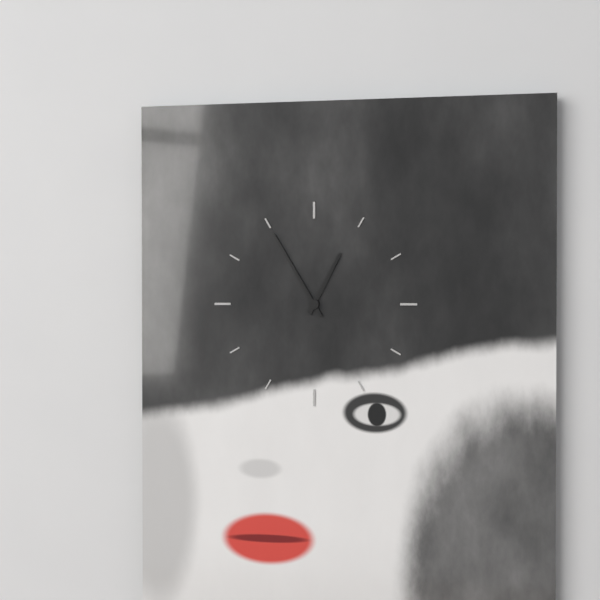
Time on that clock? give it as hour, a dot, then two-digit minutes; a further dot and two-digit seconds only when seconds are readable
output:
12.55
